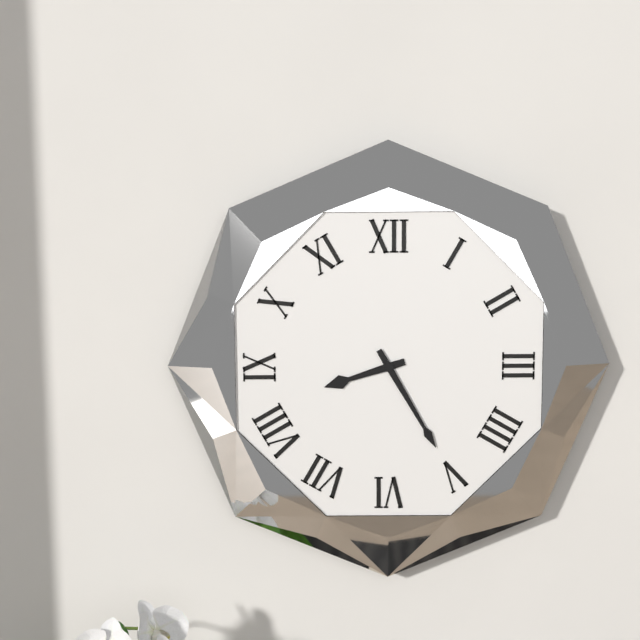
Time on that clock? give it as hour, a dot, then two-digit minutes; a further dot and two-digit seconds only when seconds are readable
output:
8.25
